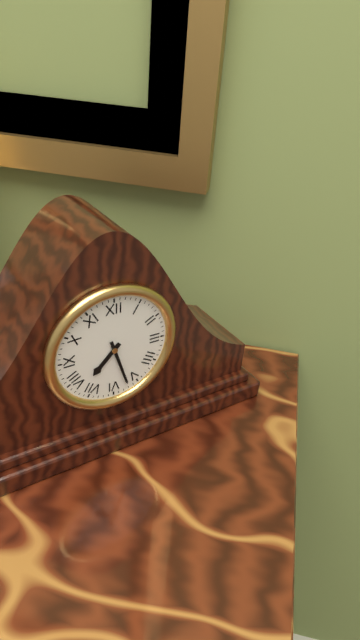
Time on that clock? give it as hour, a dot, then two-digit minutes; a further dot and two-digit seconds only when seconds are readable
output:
7.27
